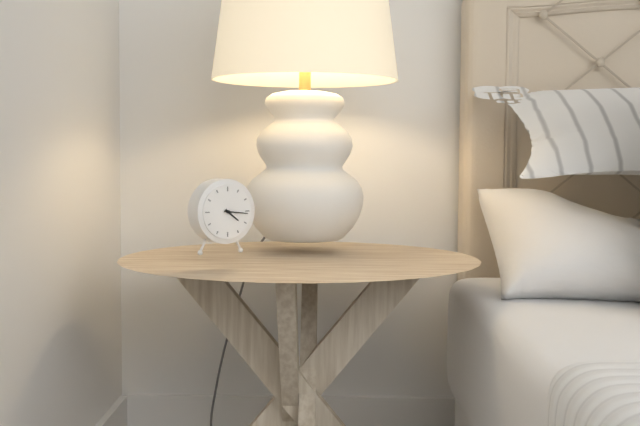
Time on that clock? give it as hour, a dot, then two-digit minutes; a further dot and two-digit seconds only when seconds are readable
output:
4.16
